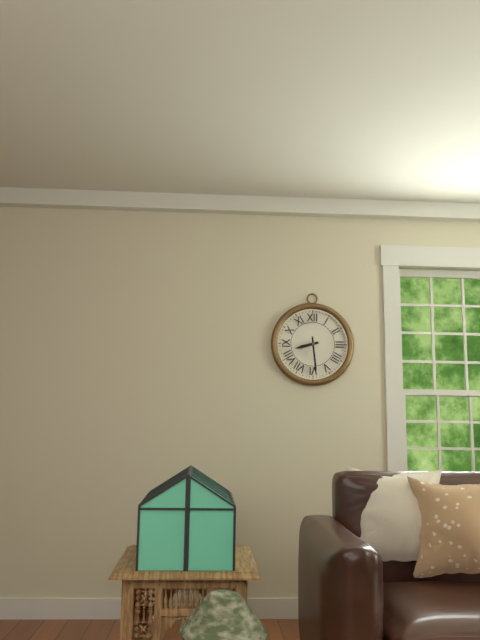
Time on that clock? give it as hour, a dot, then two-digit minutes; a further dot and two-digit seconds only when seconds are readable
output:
8.29
